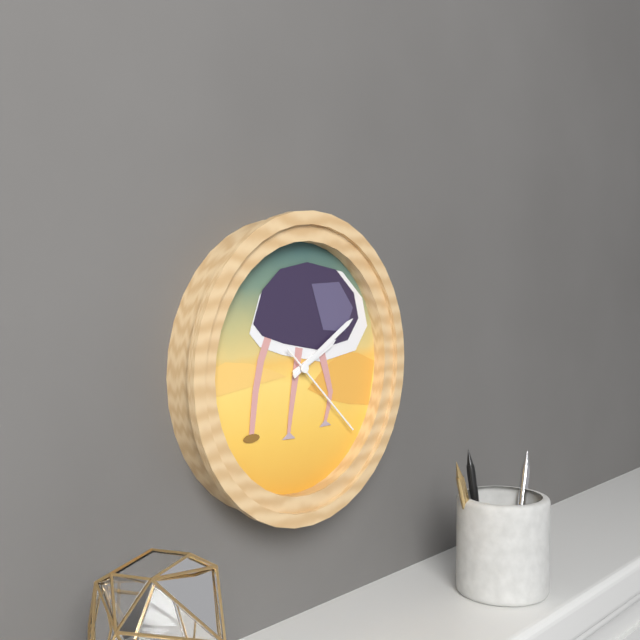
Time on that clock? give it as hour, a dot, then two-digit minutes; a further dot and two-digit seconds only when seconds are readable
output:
2.10.22
